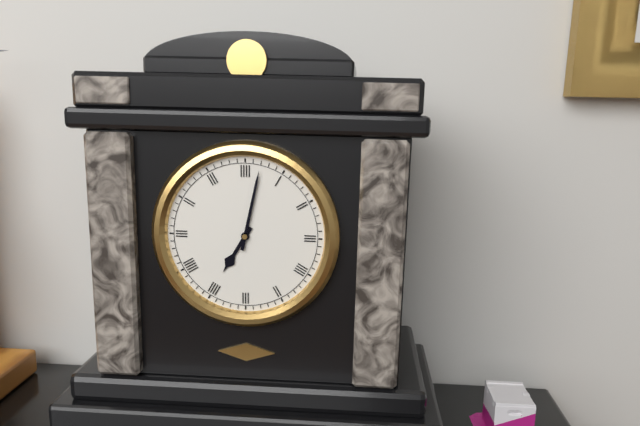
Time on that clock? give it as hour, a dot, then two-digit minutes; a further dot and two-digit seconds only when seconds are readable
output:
7.02
